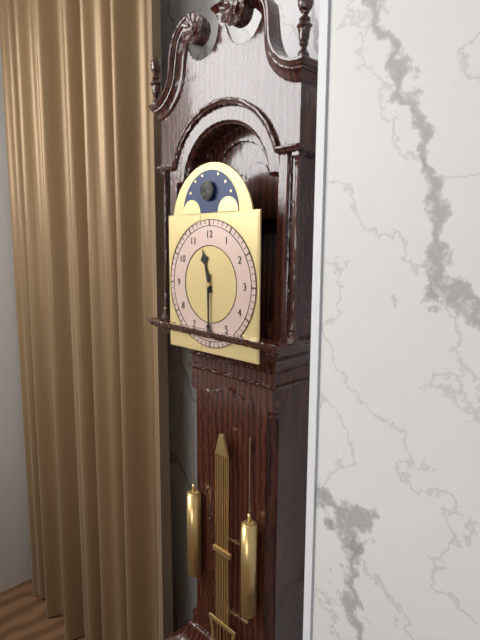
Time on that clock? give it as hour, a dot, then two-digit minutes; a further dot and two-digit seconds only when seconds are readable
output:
11.30
